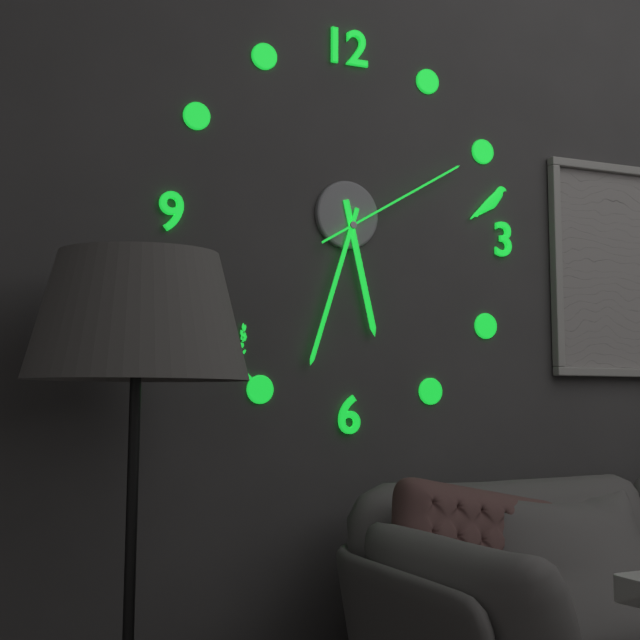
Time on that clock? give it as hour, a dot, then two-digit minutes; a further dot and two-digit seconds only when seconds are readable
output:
5.33.10
